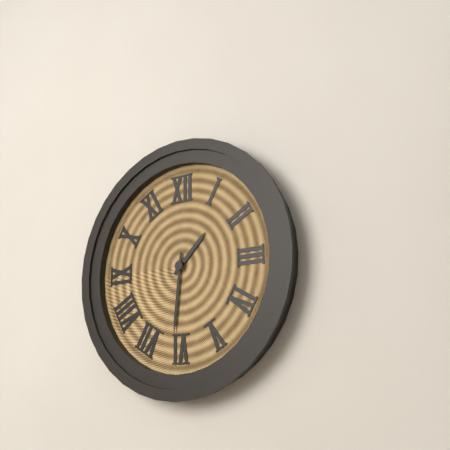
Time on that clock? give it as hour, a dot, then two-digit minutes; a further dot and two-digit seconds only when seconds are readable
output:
1.31
